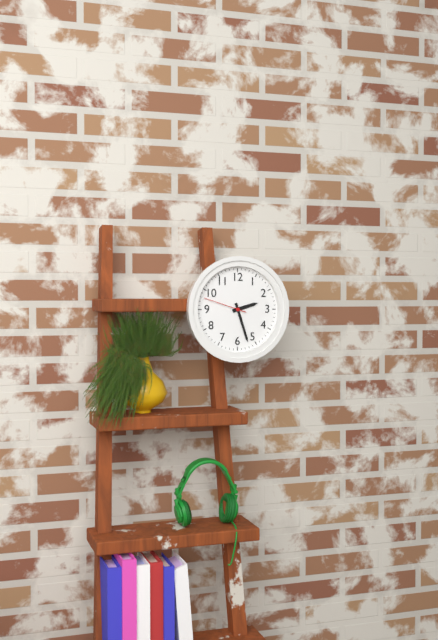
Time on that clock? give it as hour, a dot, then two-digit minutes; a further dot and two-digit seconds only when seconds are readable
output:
2.27
